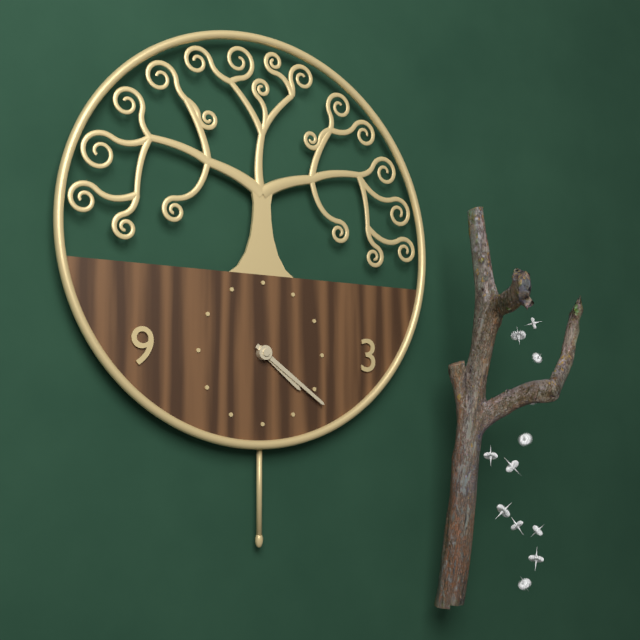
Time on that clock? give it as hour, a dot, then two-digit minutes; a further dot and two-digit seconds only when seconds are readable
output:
4.21
